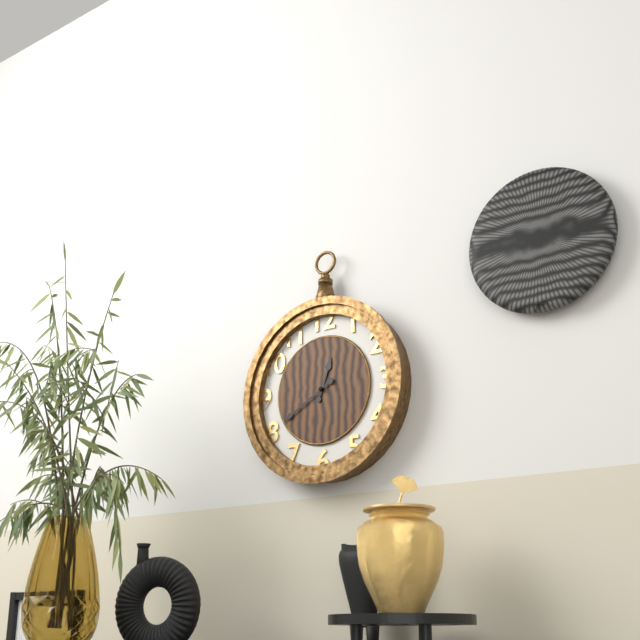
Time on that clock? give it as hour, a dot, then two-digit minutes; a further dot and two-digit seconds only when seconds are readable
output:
12.40
